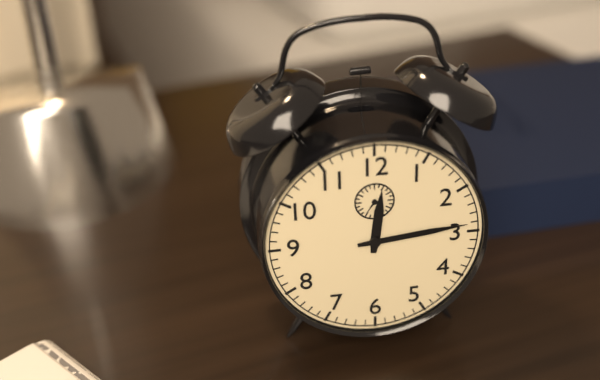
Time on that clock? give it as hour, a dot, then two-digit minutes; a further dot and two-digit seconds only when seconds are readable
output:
12.14
